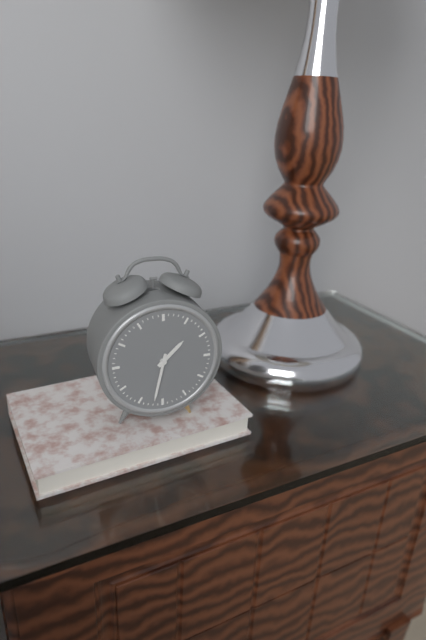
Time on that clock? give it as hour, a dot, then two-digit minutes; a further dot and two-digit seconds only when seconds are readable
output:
1.32
